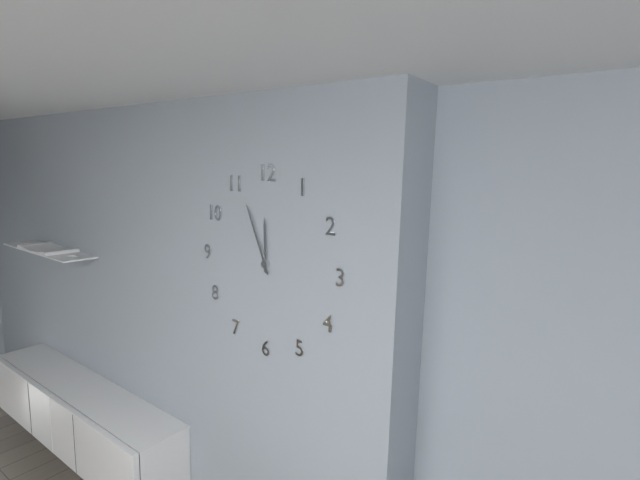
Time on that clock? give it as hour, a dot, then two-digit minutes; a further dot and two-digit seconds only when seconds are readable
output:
11.56
